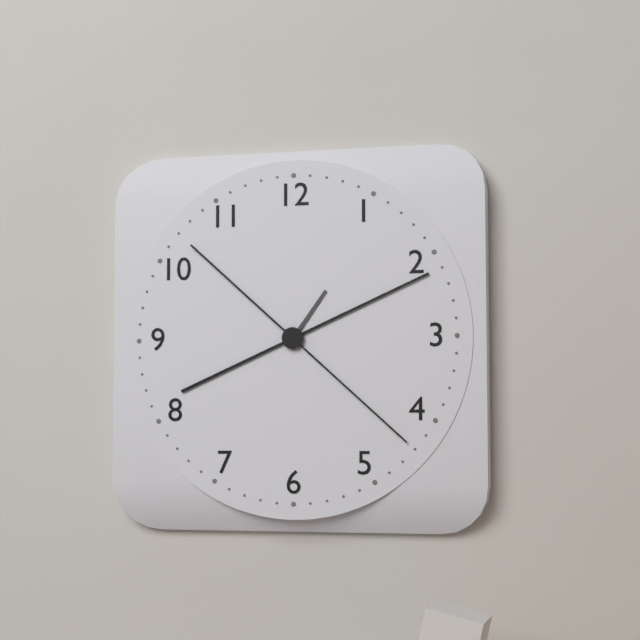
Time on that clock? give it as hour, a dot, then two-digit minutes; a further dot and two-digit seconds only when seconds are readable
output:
1.11.22
